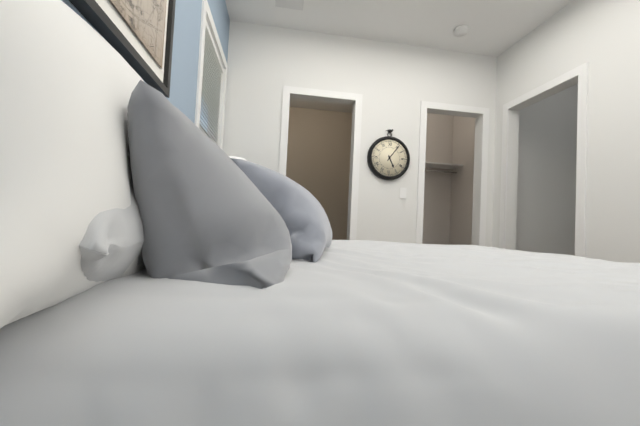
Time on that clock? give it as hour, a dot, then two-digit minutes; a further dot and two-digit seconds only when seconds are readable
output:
5.06
